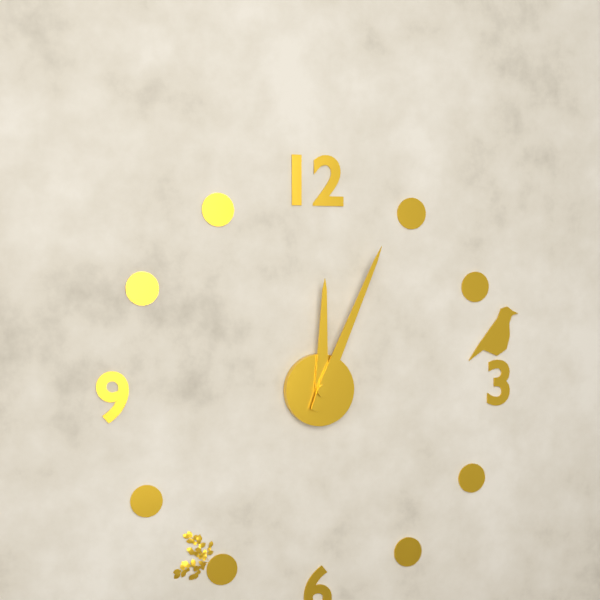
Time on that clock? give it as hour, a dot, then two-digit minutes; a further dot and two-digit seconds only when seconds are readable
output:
12.04
